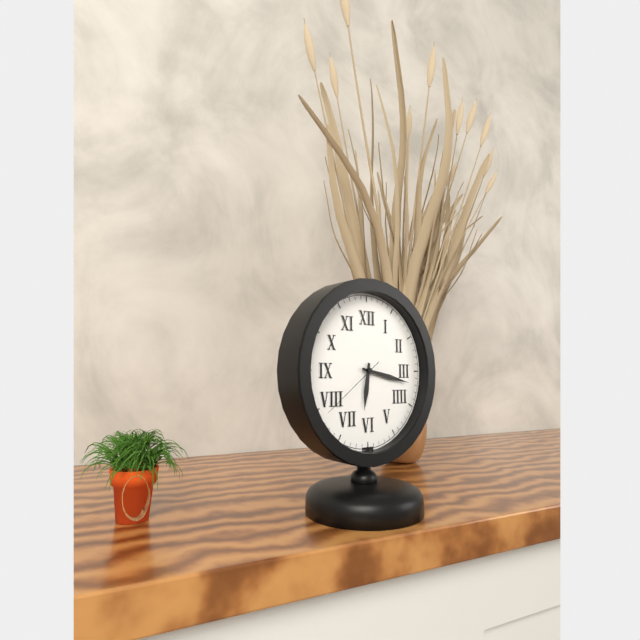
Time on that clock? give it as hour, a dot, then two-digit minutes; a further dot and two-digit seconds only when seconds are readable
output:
6.17.39
